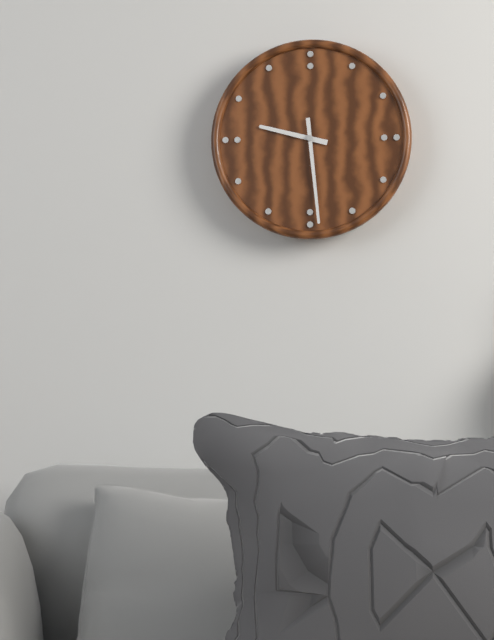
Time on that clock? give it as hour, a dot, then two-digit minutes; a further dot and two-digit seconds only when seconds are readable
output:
9.29
